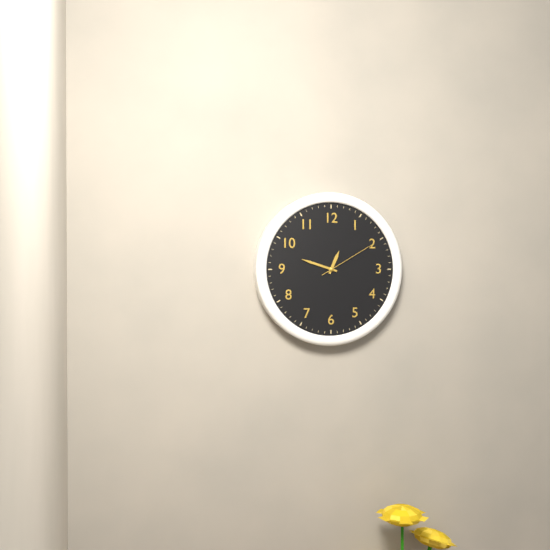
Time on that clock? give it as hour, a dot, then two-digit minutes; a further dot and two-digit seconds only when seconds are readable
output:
12.48.10
